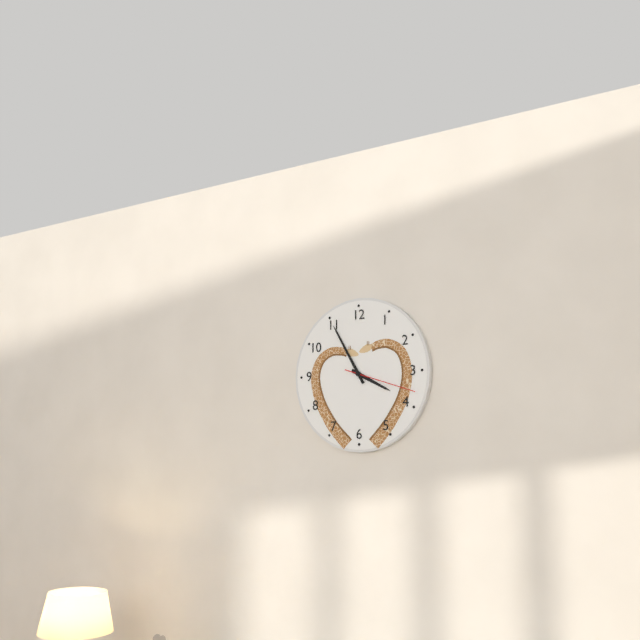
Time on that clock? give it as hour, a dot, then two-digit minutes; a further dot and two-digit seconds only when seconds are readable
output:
3.55.18
